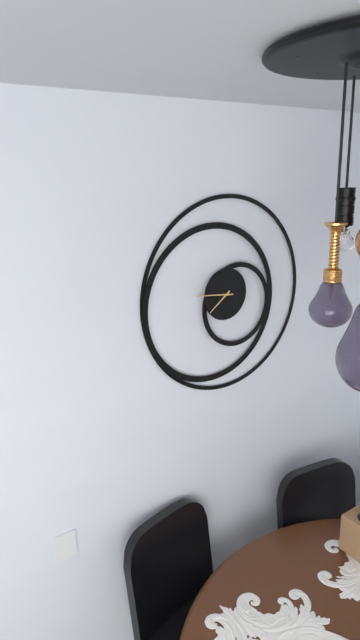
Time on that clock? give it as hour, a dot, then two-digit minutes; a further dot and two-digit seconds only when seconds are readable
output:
7.46
